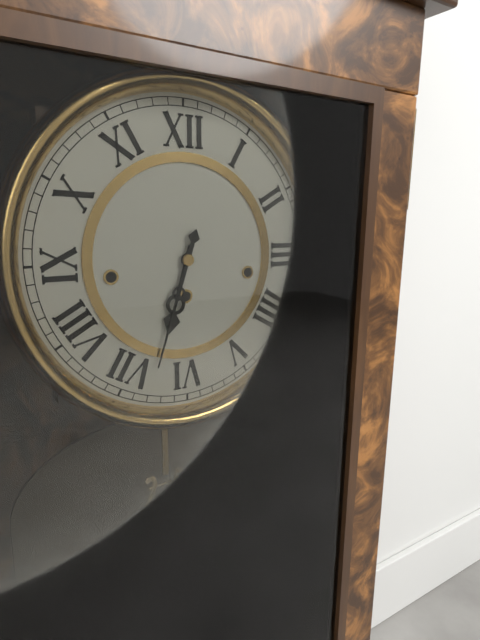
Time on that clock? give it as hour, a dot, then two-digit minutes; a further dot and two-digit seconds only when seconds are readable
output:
6.33
